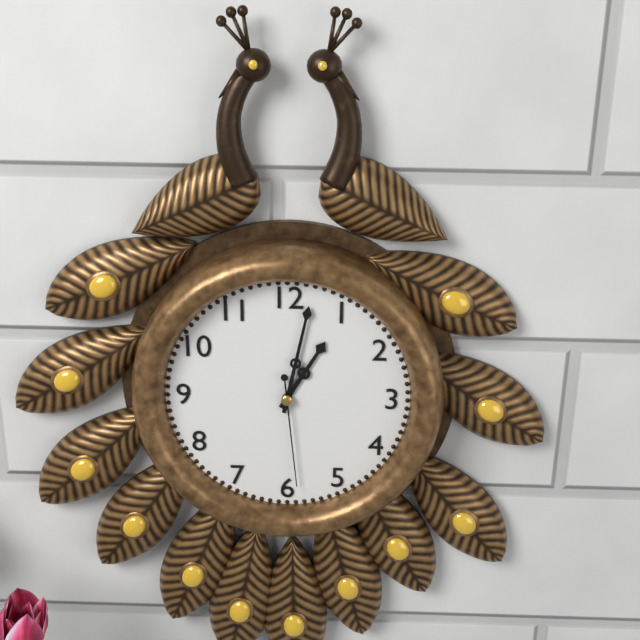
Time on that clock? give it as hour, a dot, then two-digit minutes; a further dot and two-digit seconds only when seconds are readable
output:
1.02.29
